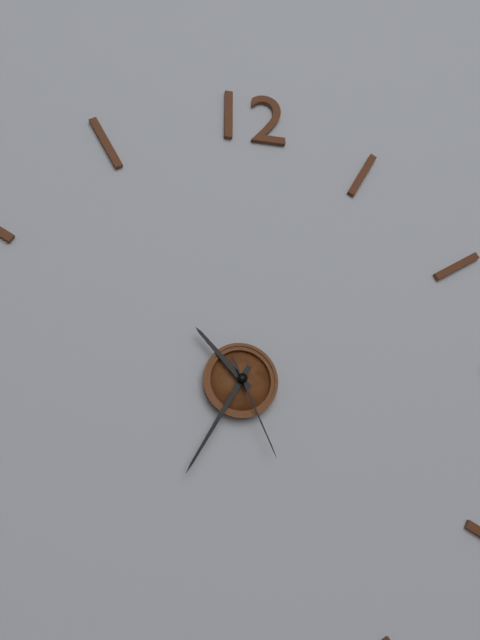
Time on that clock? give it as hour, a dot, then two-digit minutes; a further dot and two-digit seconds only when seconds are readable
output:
10.35.26
